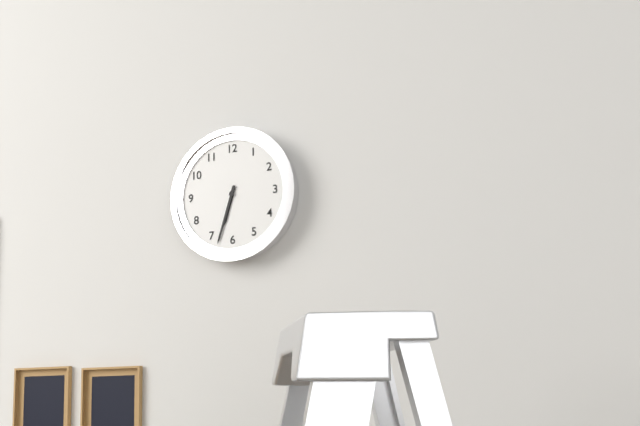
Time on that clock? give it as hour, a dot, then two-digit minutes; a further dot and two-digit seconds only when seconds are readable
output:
6.33
